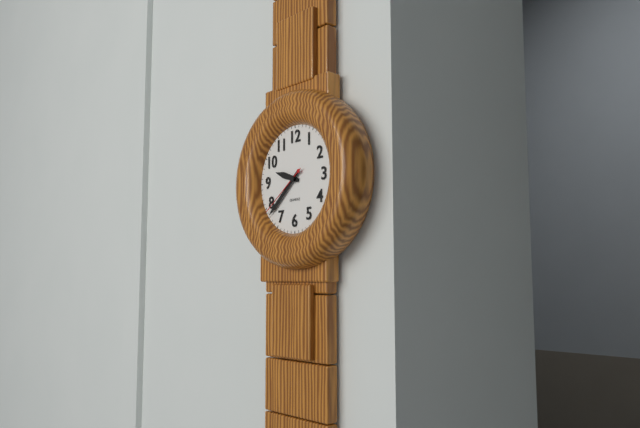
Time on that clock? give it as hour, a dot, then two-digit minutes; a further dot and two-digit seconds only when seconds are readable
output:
9.38.39
